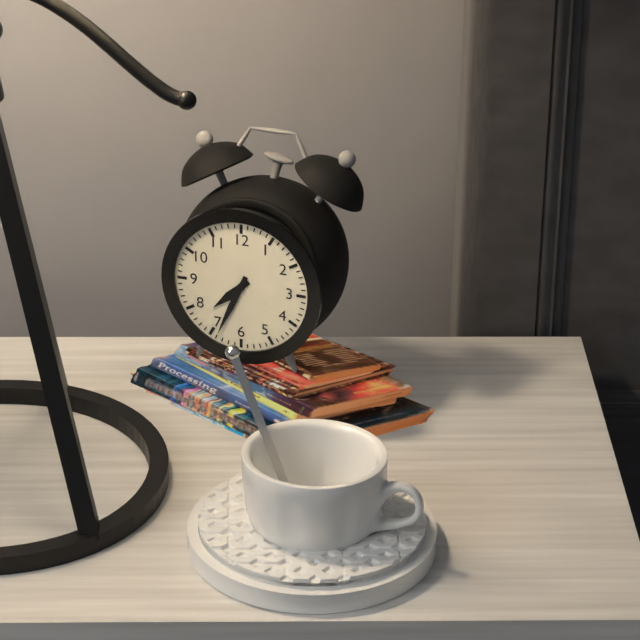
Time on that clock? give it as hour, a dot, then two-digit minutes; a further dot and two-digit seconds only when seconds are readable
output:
7.34
